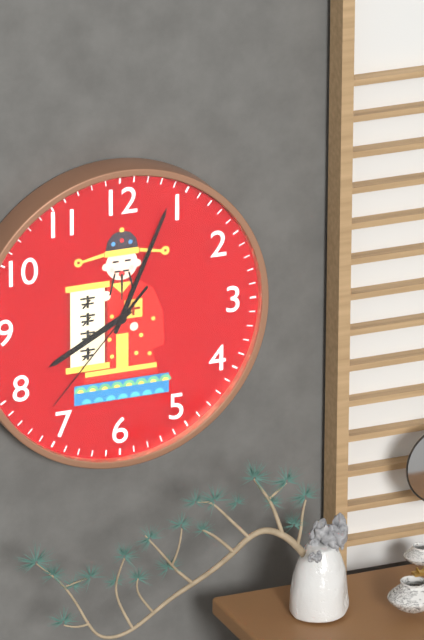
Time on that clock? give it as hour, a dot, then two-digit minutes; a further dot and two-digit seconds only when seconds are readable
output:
8.04.37
